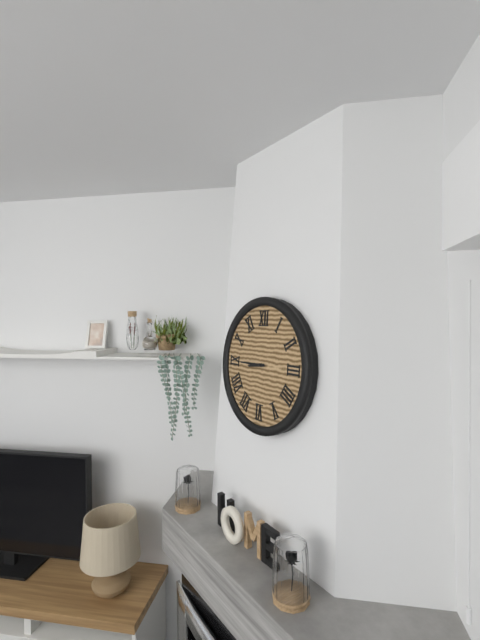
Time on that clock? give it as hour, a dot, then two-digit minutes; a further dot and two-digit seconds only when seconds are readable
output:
8.45
